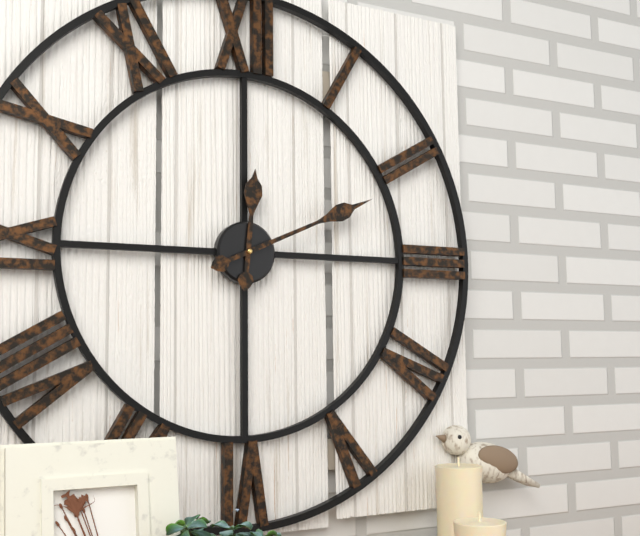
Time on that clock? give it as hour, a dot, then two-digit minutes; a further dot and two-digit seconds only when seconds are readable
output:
12.11
